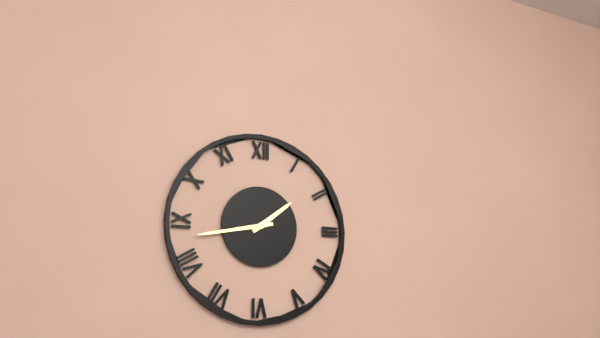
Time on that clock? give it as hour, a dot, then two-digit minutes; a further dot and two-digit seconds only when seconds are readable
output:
1.43
